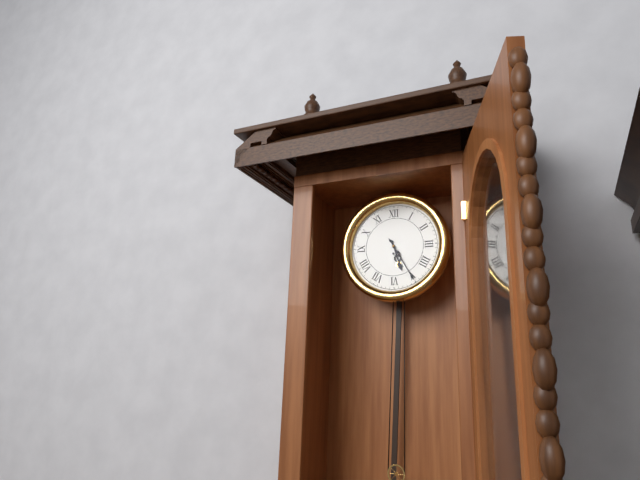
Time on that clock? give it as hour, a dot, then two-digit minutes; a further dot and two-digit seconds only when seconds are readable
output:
5.25
